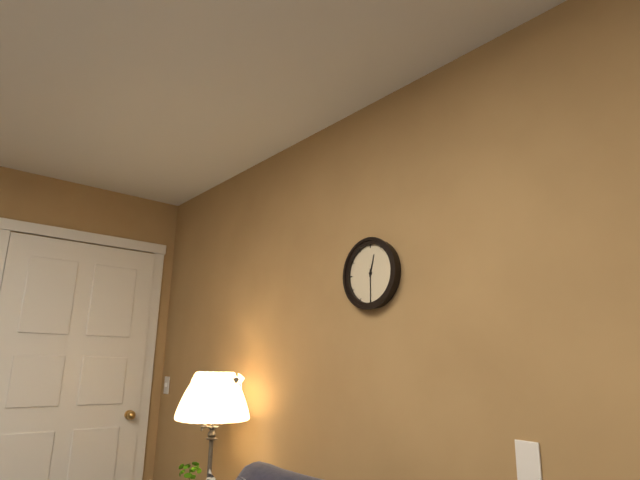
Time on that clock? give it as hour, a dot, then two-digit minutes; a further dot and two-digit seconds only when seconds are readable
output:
12.30
